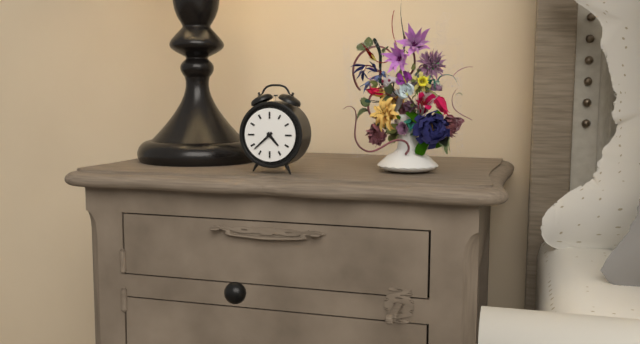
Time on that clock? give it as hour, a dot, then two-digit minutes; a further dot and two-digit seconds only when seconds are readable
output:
4.38
